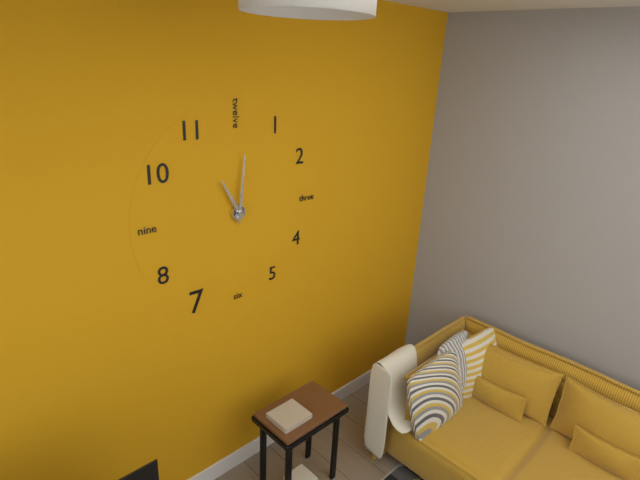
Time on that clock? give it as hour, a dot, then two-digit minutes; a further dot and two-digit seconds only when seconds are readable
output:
11.01
